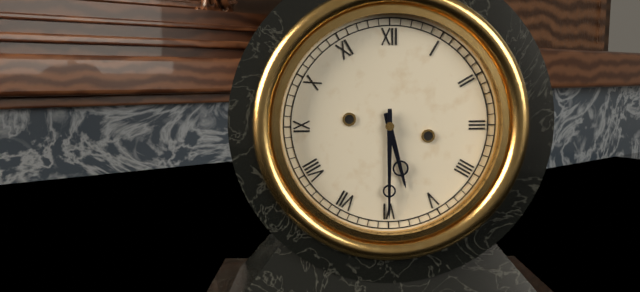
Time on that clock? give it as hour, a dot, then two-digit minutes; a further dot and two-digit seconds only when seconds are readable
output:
5.30
